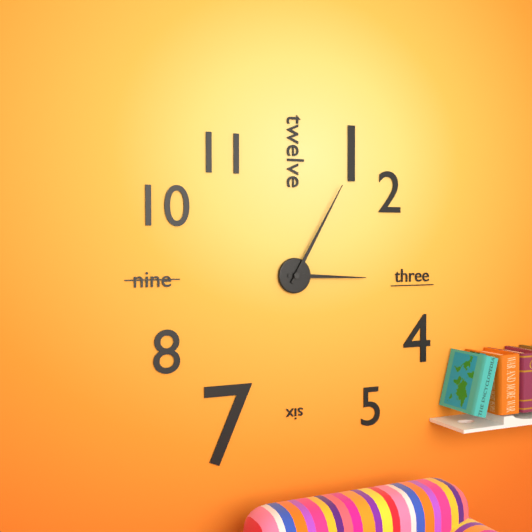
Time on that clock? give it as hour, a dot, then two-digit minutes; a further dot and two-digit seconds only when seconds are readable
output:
3.05
